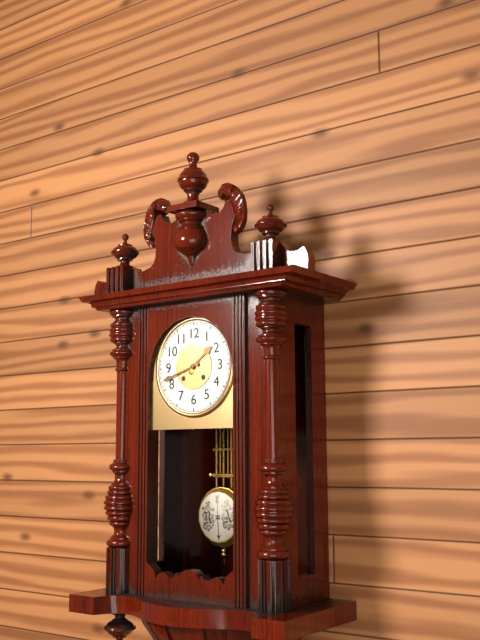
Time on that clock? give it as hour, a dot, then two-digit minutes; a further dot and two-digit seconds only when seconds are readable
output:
1.42
